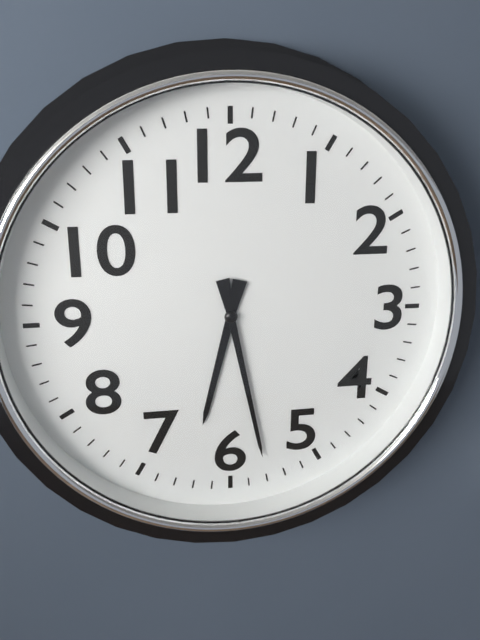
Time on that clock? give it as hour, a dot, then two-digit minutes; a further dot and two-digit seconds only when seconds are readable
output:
6.28
